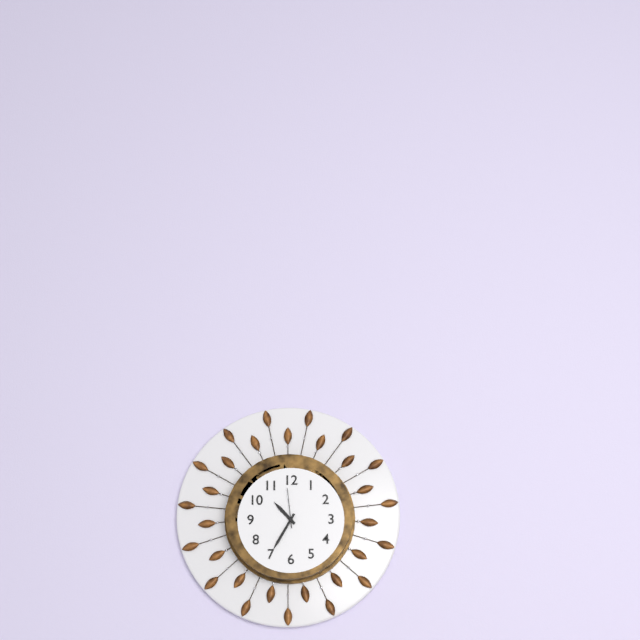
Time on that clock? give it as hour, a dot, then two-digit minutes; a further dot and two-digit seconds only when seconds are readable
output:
10.35
